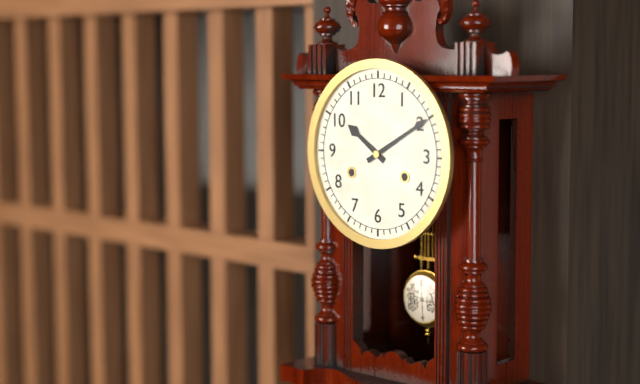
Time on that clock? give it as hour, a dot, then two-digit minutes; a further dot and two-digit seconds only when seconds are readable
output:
10.10
